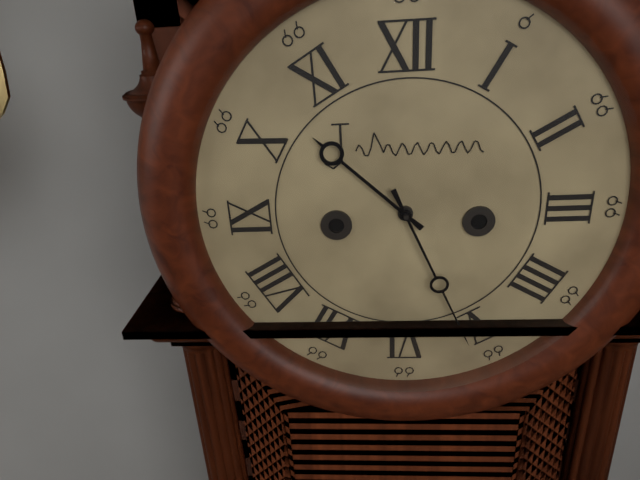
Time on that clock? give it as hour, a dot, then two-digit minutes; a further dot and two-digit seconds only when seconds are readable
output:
10.26
